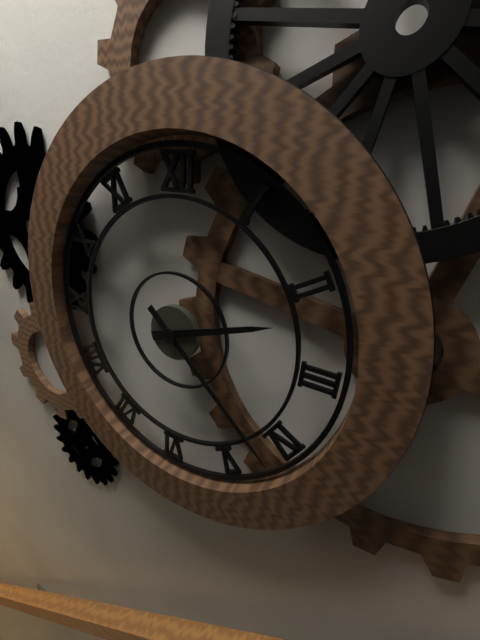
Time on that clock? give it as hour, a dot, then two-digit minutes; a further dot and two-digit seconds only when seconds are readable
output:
2.22
